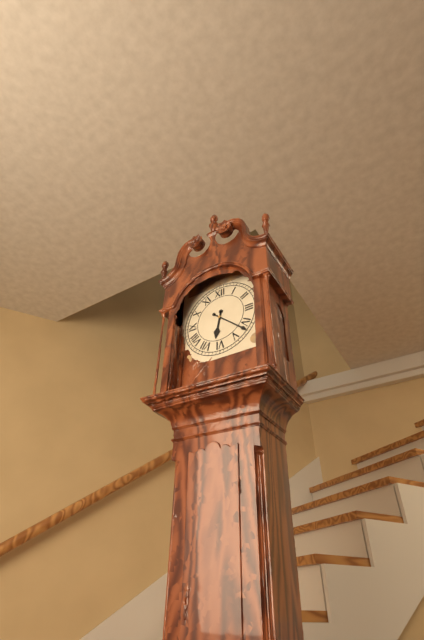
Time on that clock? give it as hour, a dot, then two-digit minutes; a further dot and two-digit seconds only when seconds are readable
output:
6.22
